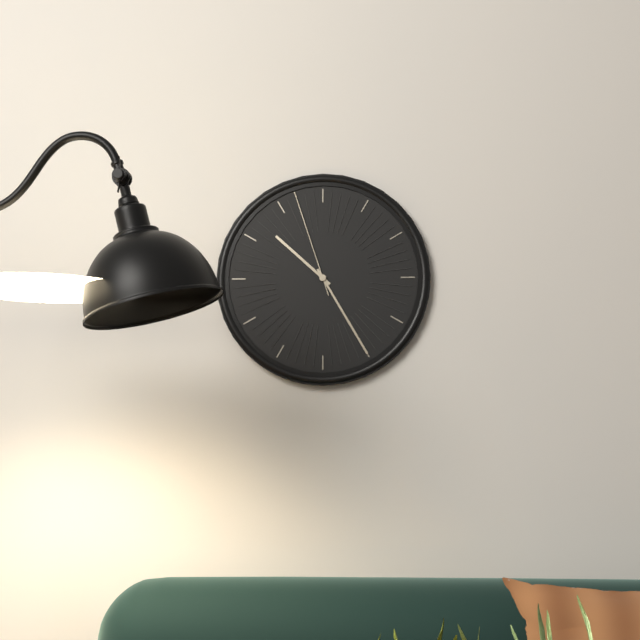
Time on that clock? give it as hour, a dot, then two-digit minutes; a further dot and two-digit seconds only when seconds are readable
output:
10.25.57
